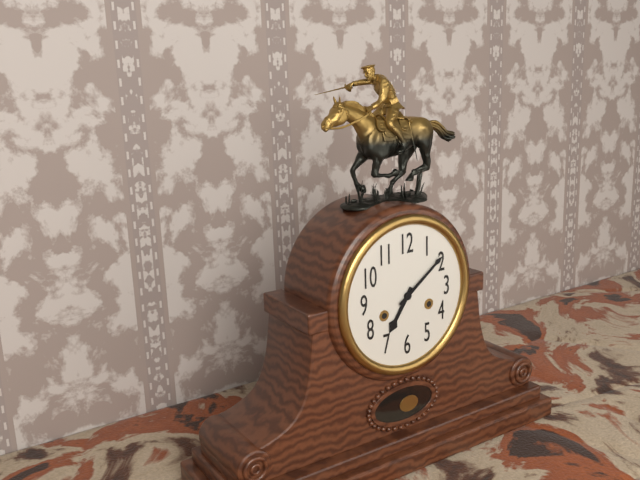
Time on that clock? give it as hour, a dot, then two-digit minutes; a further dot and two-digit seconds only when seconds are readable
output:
7.09
